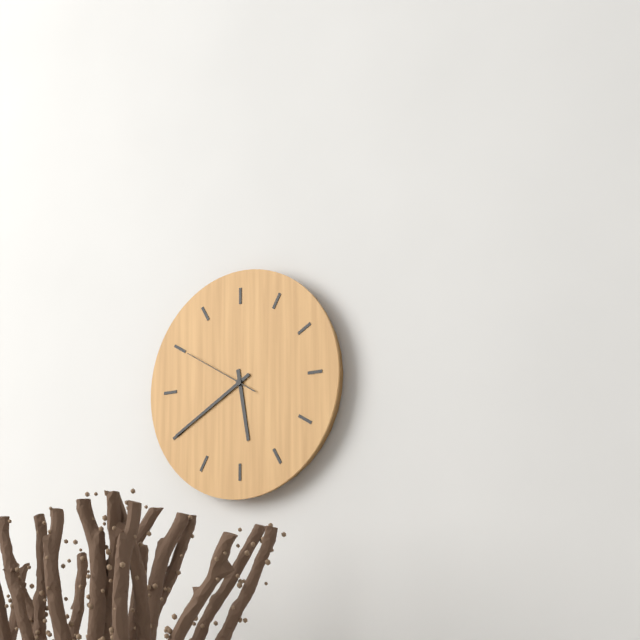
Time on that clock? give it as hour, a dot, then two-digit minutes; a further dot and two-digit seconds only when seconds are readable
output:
5.40.50
